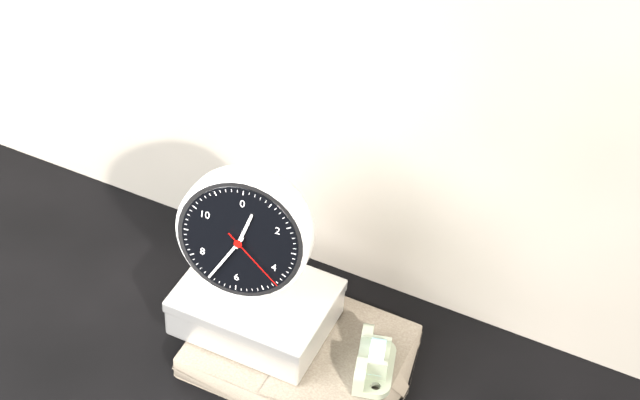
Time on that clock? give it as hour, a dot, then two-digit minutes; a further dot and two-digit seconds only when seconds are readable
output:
12.35.22
